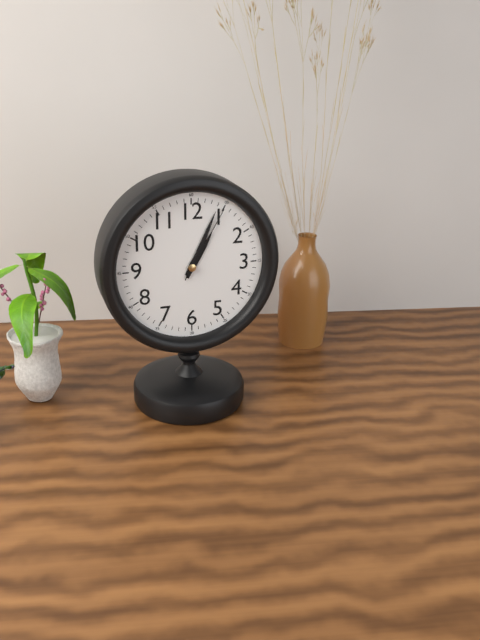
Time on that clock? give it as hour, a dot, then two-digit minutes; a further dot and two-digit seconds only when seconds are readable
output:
1.04.05
